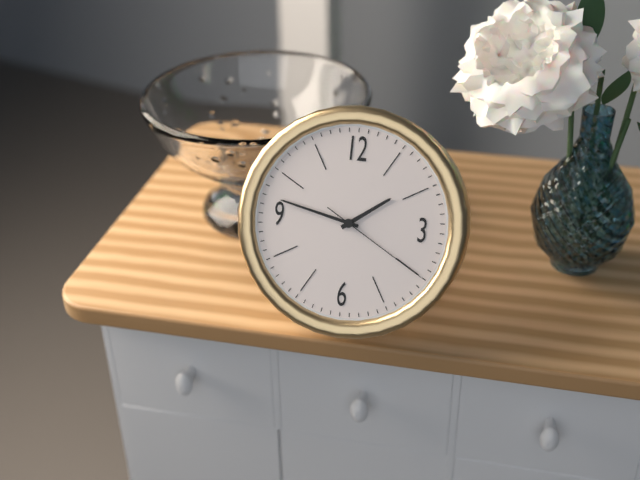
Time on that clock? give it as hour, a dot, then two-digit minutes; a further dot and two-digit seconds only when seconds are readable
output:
1.47.20
